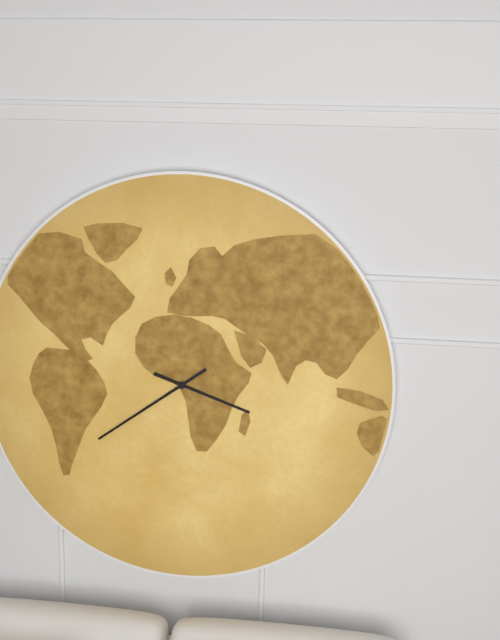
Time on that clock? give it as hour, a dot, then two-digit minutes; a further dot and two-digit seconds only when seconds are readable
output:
3.39
